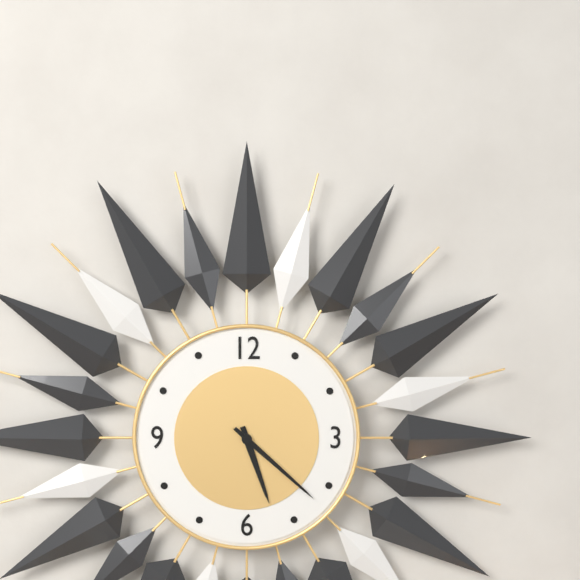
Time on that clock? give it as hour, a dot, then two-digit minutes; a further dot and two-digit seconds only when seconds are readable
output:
5.22
